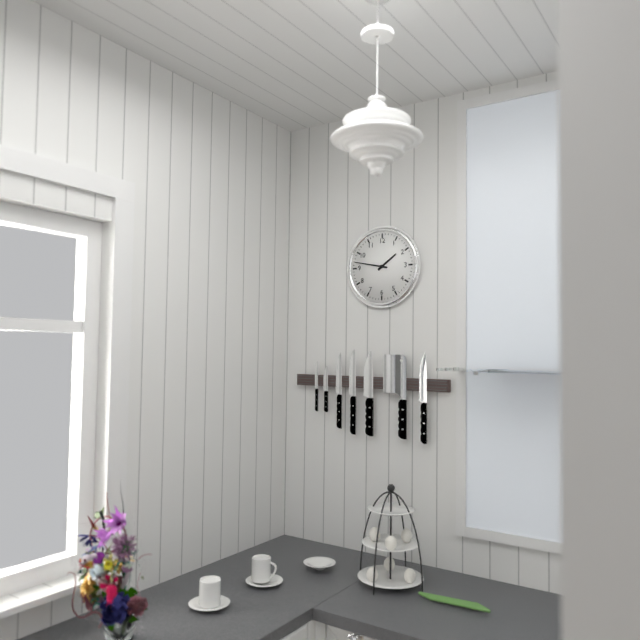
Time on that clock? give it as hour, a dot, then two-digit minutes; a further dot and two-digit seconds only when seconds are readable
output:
1.47
